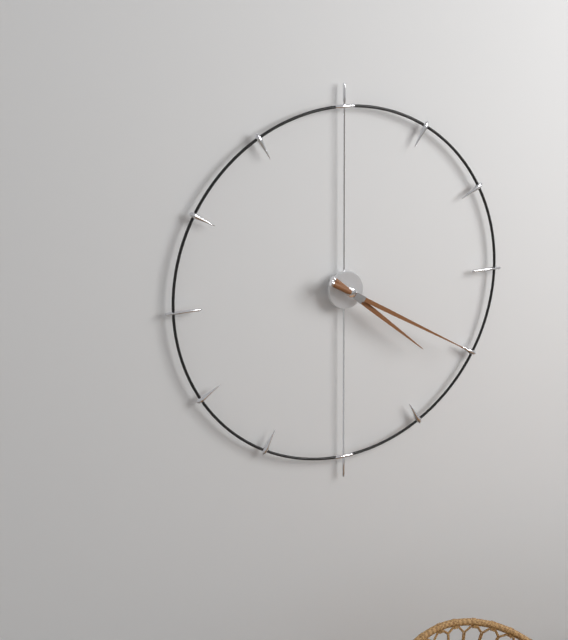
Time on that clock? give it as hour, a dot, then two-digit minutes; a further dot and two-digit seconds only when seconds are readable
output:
4.20
